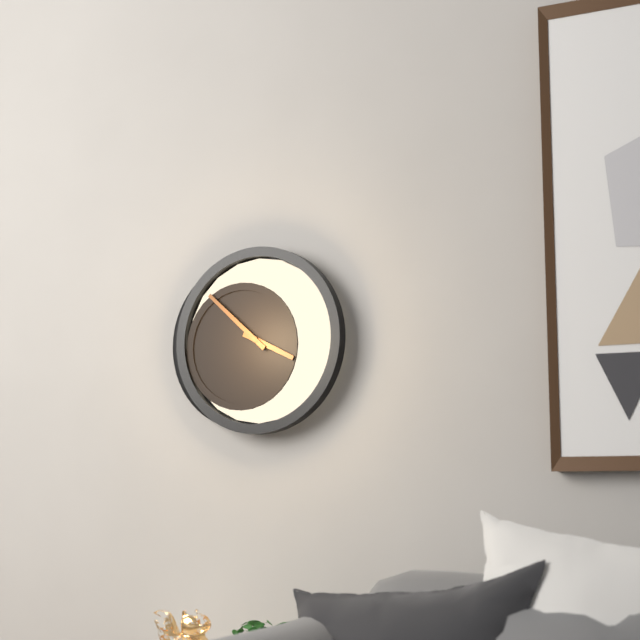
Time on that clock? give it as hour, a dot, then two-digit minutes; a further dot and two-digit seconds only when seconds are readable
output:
3.52
